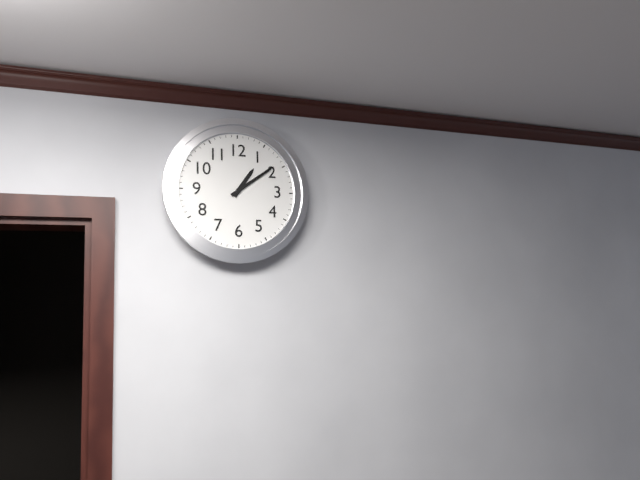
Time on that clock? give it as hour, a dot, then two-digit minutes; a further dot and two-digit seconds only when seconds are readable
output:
1.09
